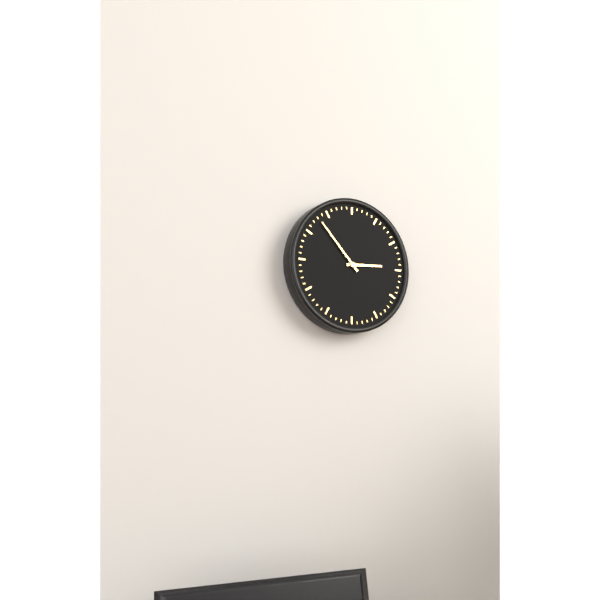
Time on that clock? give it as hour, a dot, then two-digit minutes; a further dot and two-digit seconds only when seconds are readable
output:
2.53
